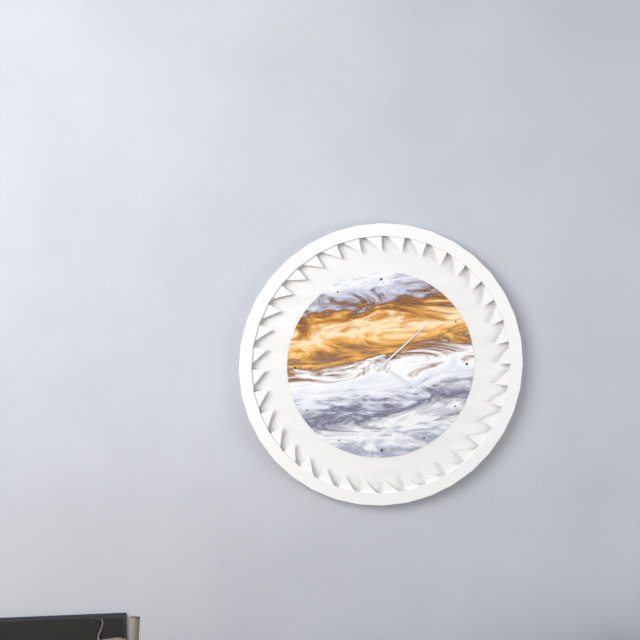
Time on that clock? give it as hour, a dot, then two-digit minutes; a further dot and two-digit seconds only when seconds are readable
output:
4.08
